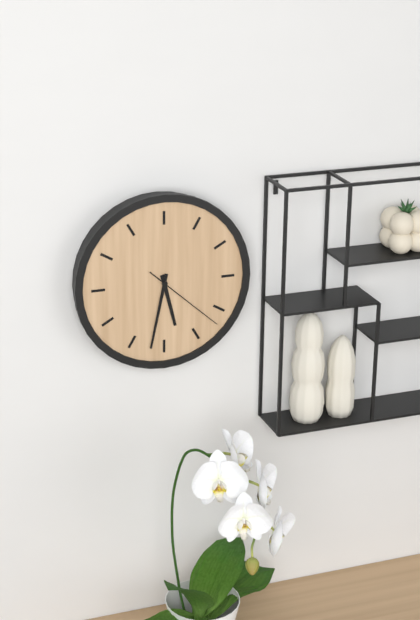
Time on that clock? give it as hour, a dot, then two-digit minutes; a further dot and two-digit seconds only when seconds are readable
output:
5.32.22
